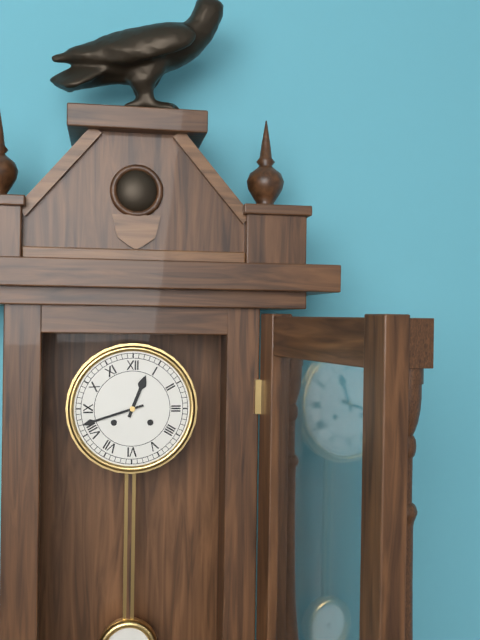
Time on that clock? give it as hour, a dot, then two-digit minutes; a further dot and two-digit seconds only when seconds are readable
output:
12.42
